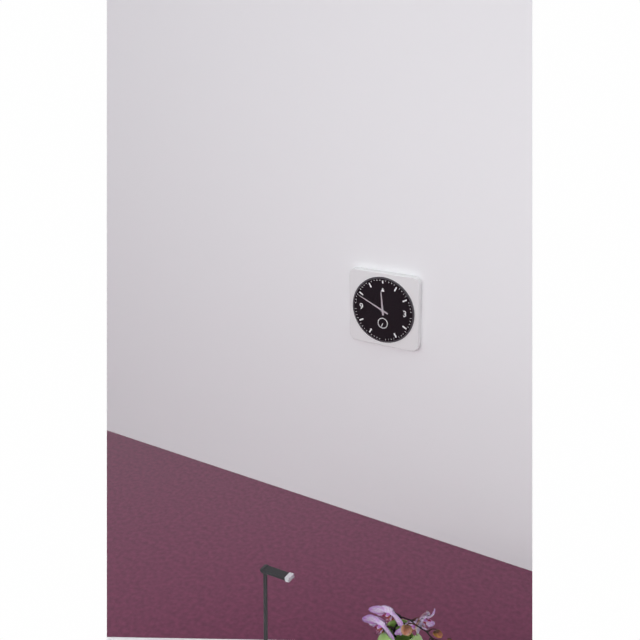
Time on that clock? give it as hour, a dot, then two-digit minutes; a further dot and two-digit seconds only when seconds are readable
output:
11.49
